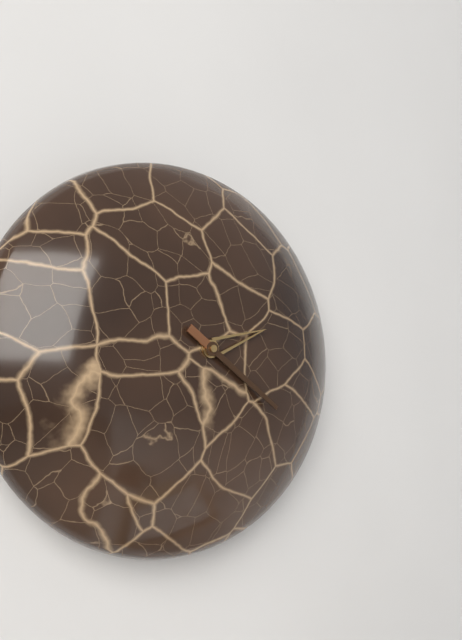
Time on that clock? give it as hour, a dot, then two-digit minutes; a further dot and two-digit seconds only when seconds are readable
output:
2.21
